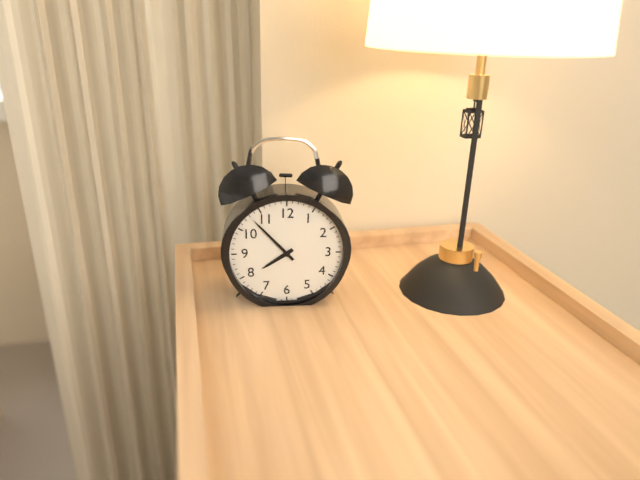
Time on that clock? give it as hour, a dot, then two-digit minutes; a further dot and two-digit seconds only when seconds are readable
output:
7.53
